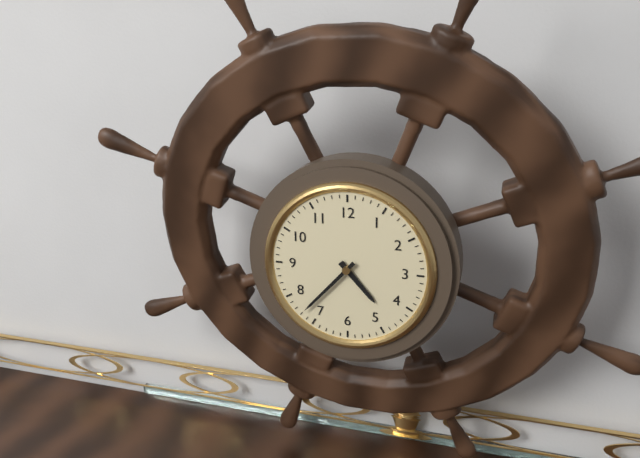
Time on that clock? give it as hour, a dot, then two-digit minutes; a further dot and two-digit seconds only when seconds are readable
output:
4.37
